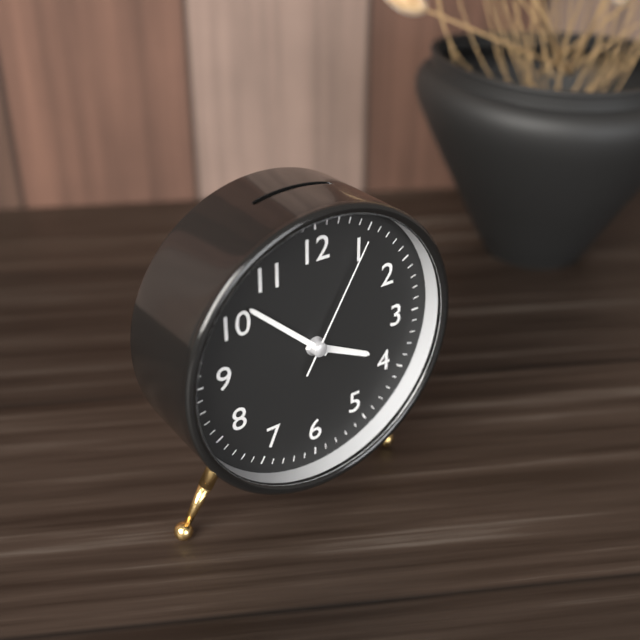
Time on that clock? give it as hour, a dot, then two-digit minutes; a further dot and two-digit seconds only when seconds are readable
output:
3.52.05
